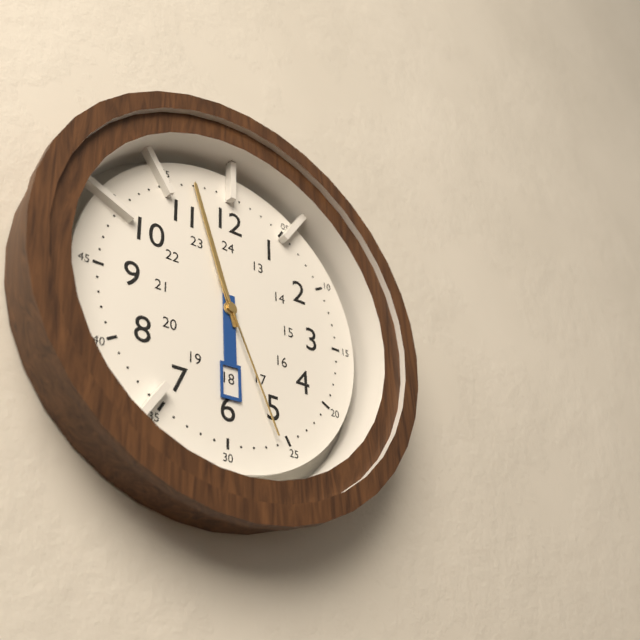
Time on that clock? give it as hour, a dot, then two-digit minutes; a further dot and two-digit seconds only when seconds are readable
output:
5.57.26
